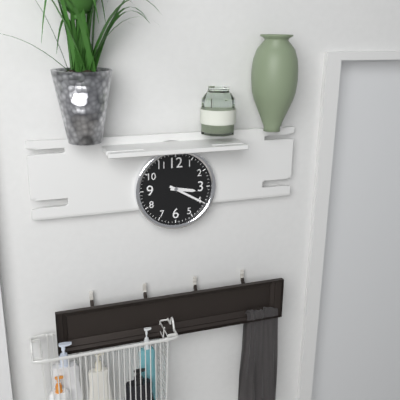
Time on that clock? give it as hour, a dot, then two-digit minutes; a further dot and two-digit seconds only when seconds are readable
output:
3.20
